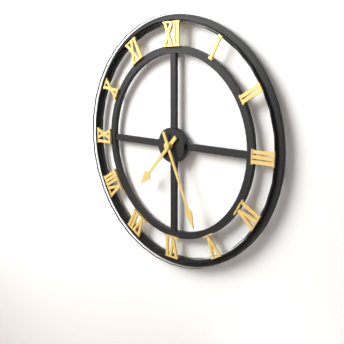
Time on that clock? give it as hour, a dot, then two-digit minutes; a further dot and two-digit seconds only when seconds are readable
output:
7.26
